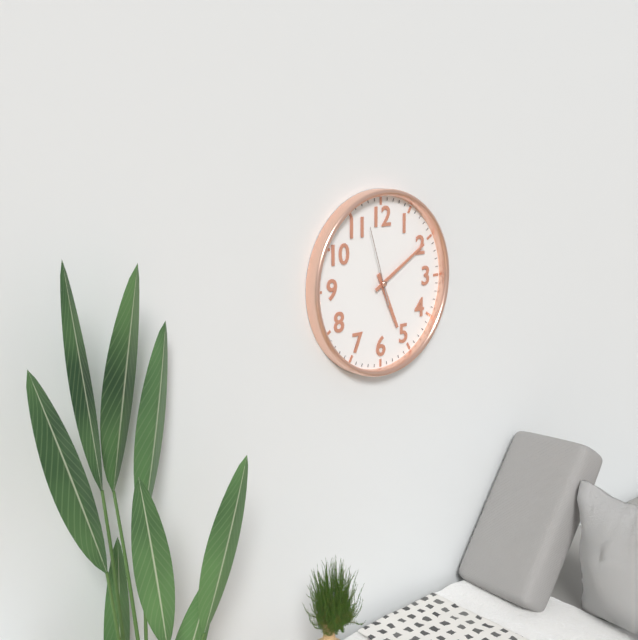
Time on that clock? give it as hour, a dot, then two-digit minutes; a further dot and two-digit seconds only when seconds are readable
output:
5.10.57
